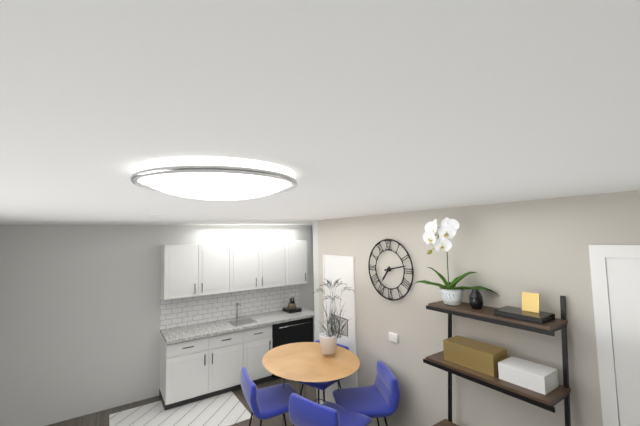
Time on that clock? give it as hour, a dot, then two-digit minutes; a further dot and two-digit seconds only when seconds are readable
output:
7.13
